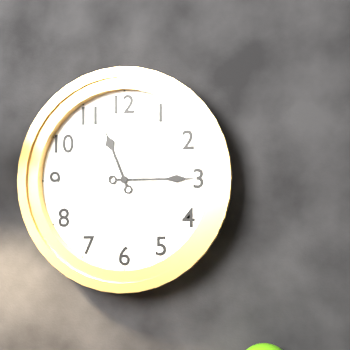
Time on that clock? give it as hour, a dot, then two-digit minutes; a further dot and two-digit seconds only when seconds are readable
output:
11.15
